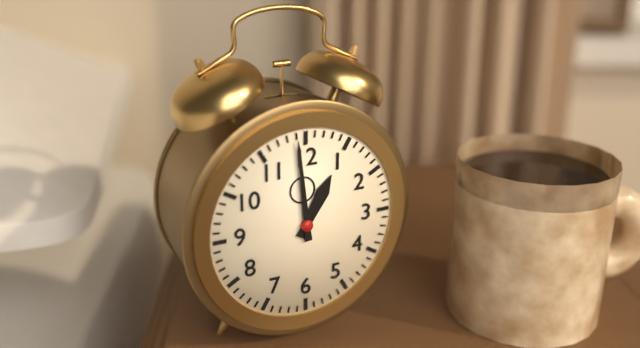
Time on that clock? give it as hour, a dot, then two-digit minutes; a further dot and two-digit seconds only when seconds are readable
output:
12.59
